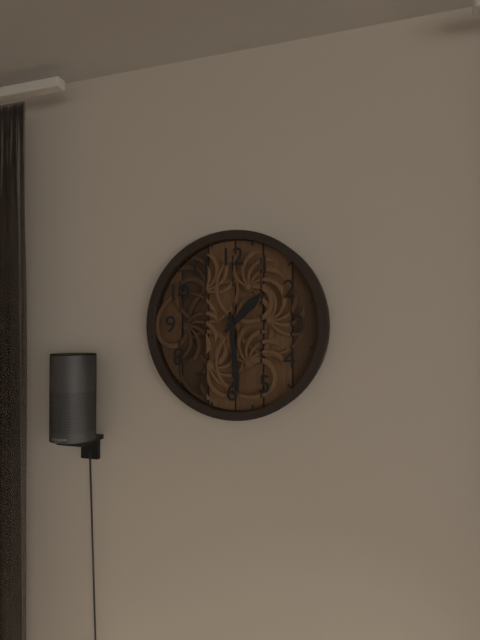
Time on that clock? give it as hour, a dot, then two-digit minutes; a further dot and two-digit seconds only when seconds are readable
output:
1.29
